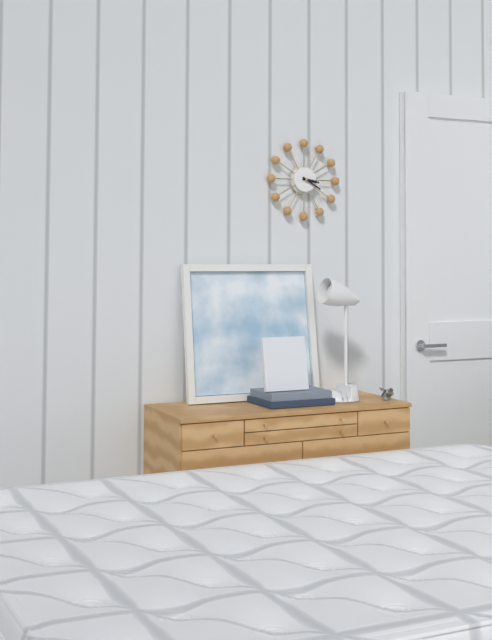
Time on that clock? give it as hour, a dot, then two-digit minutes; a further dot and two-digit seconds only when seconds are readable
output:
3.20
